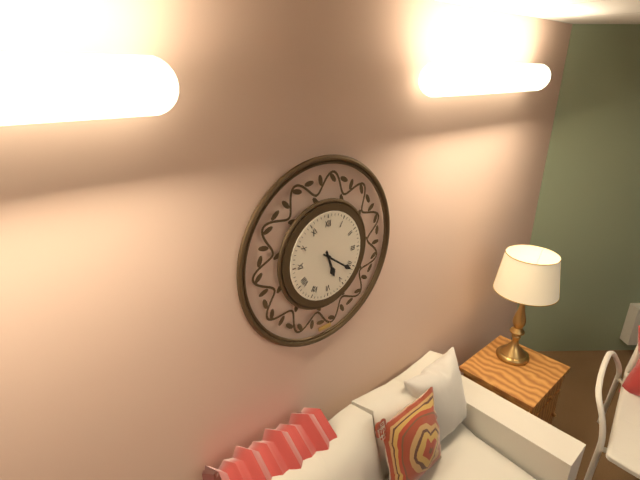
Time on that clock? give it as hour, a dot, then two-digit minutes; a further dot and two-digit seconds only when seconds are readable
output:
5.21
